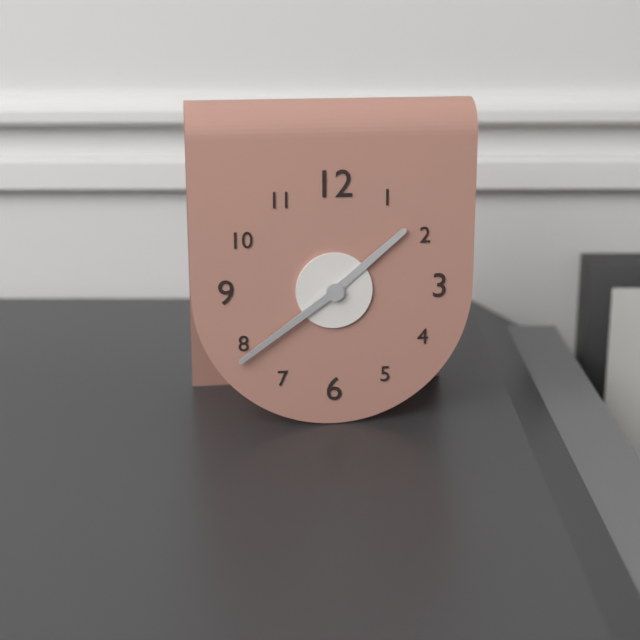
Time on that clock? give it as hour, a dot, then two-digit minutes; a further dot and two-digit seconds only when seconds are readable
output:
1.39
